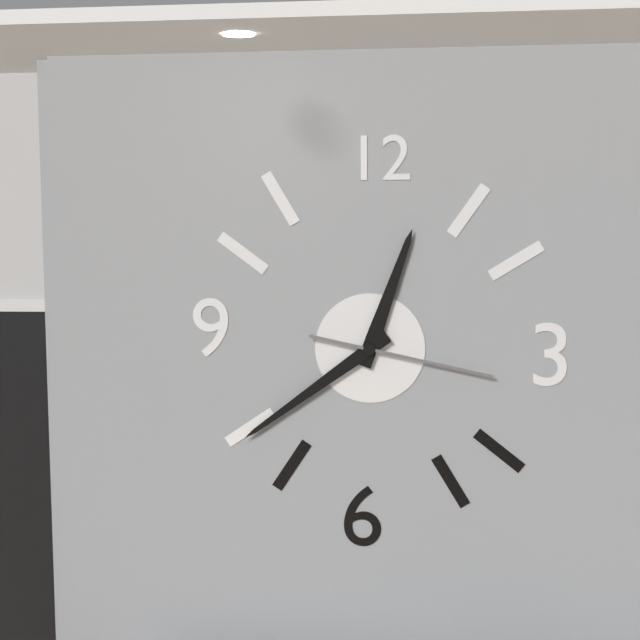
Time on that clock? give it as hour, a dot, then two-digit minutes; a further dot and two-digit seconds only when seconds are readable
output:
12.39.17
